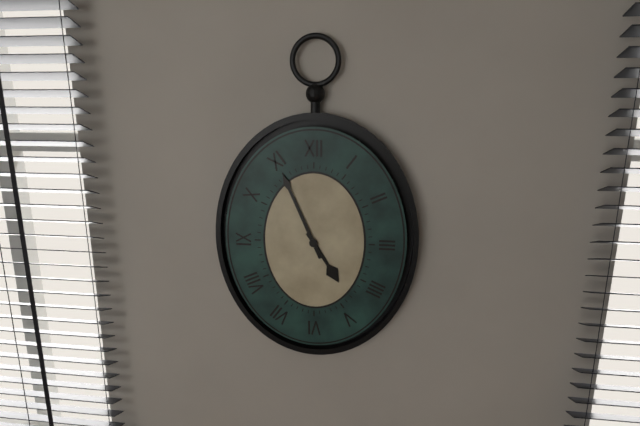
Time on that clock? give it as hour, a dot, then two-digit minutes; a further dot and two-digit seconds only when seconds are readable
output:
4.56
